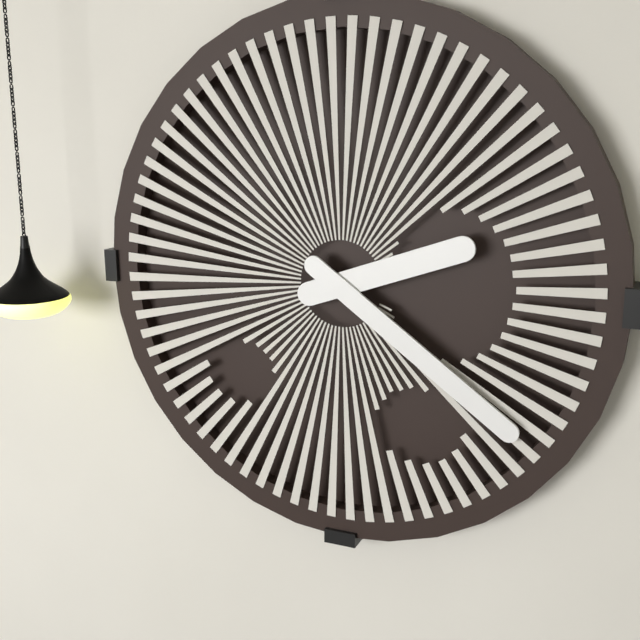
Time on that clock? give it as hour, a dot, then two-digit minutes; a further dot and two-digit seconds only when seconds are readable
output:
2.21
